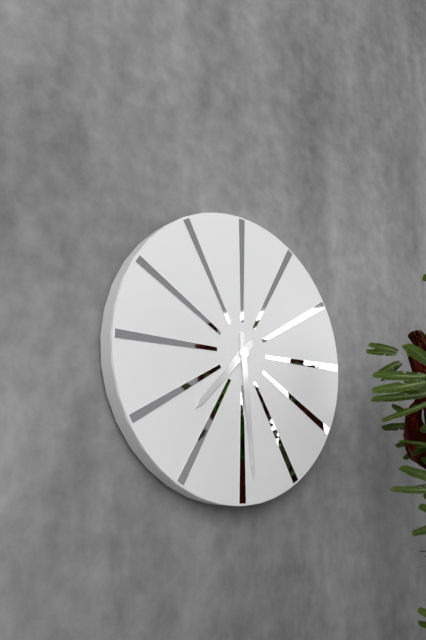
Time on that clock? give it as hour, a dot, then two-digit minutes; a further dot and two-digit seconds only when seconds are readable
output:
7.29
